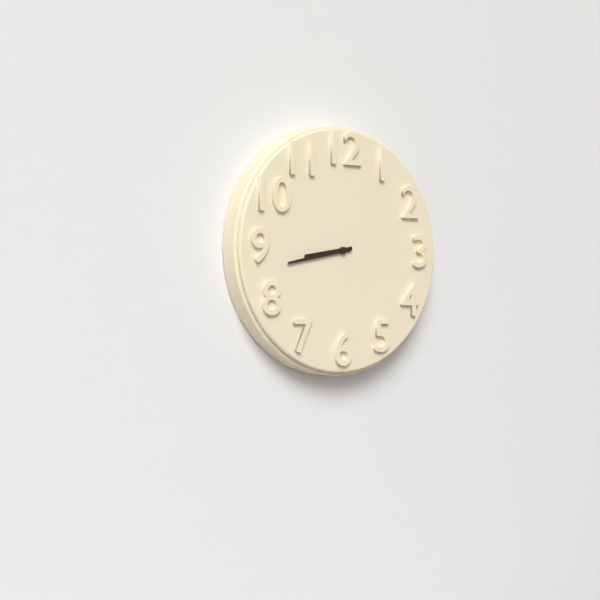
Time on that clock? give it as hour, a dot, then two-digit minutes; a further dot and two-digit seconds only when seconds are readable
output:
8.43
